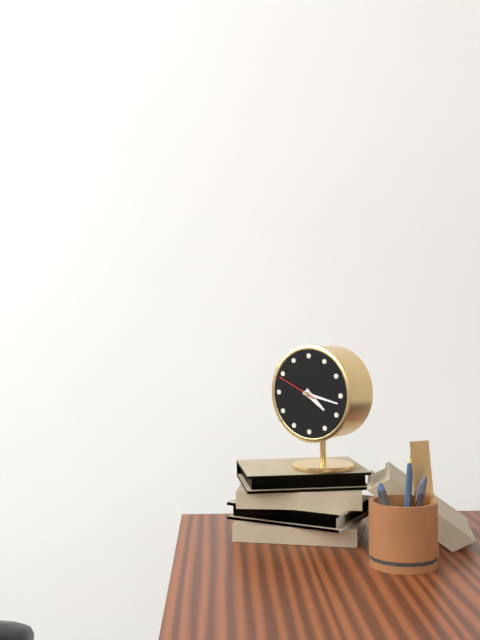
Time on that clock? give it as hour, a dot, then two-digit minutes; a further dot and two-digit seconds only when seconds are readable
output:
4.17
